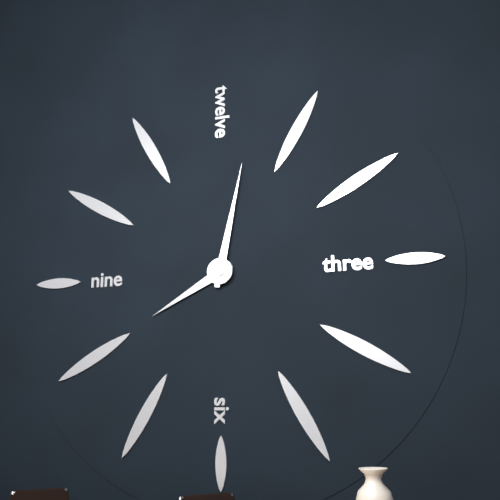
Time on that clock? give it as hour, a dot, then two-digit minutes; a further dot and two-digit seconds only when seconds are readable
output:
8.02
